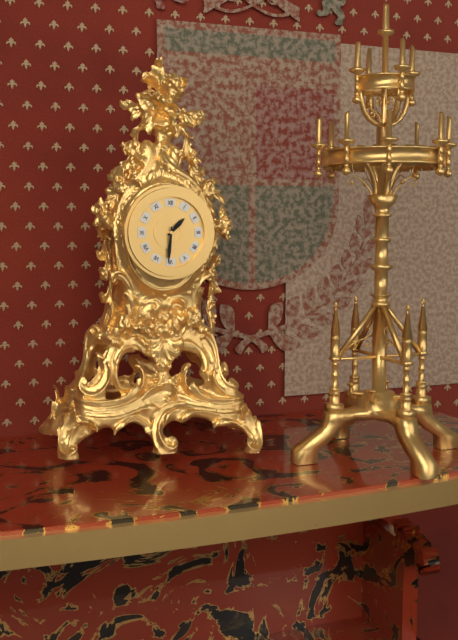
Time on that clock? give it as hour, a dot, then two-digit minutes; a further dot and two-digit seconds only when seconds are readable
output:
1.31
